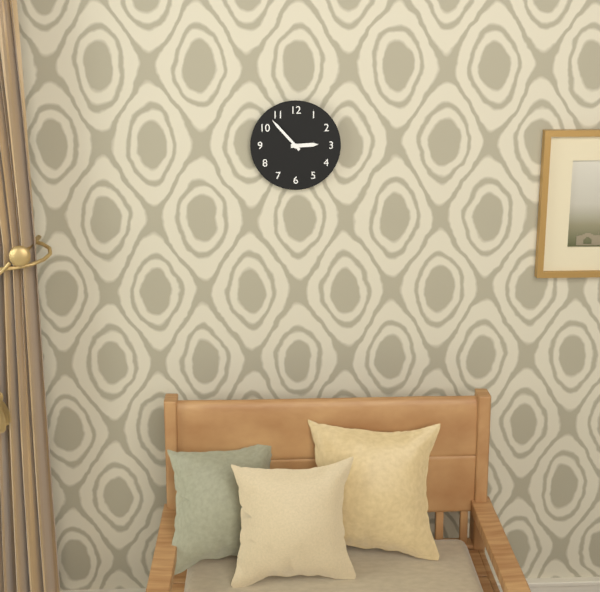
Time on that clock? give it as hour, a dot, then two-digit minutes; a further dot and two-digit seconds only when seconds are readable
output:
2.53
